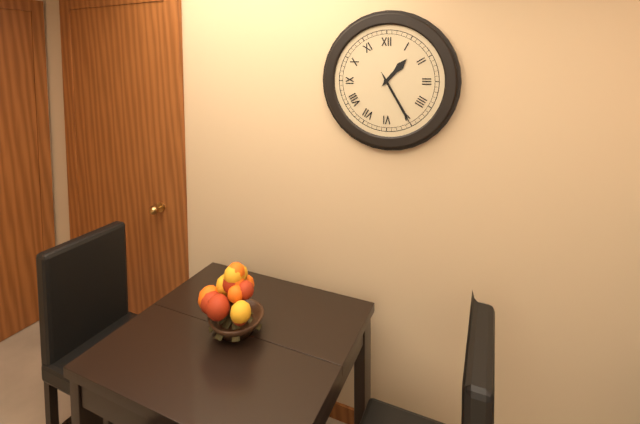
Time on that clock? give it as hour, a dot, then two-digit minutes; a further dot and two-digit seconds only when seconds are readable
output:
1.25
